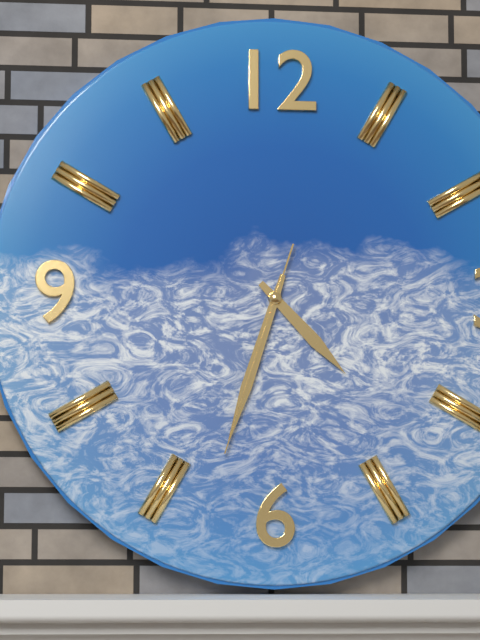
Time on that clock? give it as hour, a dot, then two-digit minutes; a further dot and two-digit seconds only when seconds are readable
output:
4.33.33
